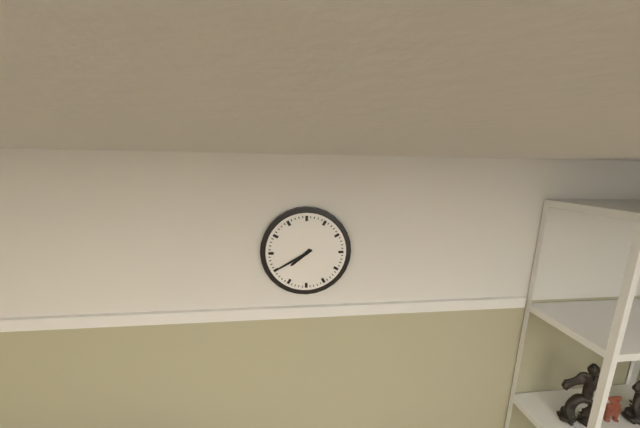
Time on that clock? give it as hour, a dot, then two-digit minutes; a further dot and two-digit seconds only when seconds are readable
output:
7.40
